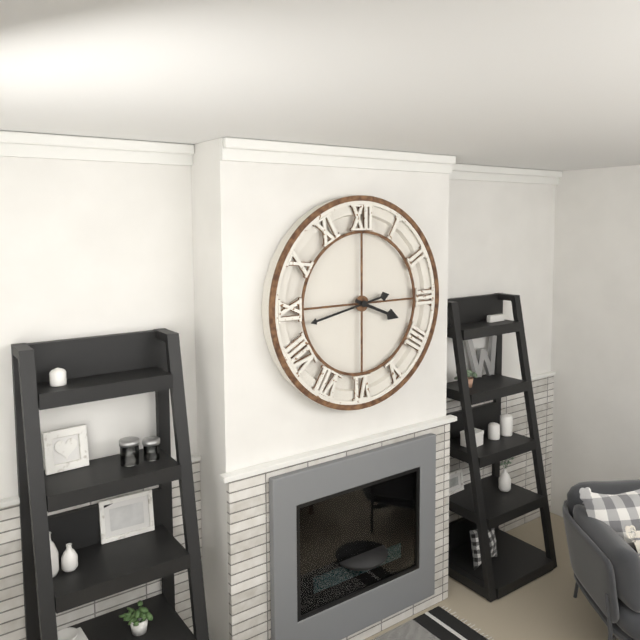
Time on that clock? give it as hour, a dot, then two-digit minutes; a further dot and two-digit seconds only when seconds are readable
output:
3.43
